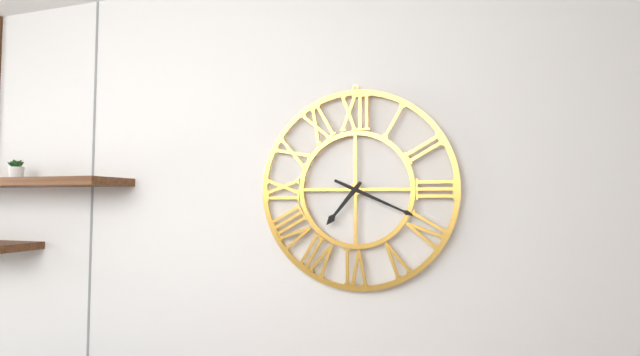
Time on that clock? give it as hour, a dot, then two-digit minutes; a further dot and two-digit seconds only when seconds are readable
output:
7.19
